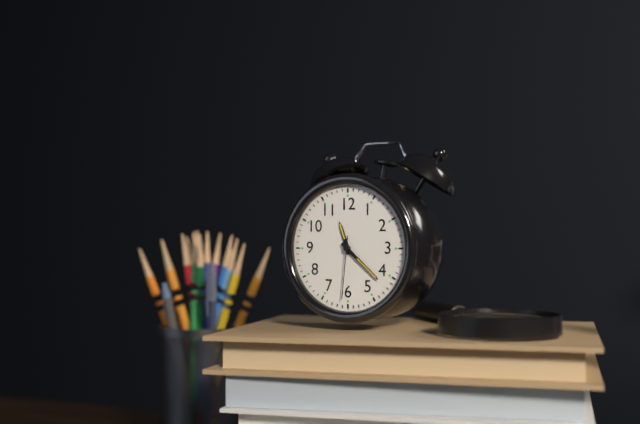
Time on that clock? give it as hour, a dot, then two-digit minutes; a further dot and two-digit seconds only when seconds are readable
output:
11.22.31
